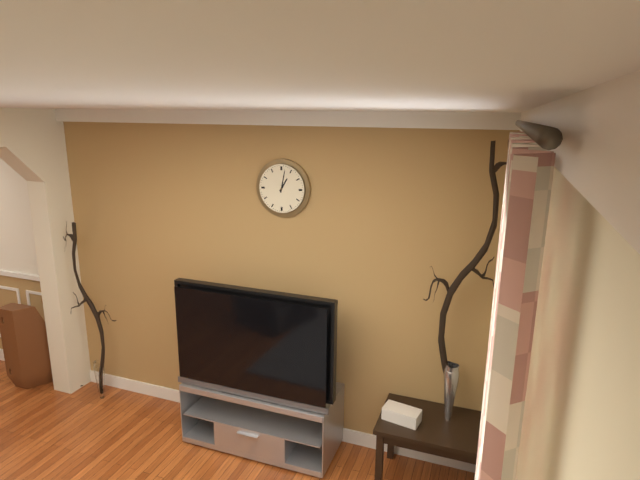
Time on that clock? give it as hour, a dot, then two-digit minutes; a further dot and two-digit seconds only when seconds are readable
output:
1.02
